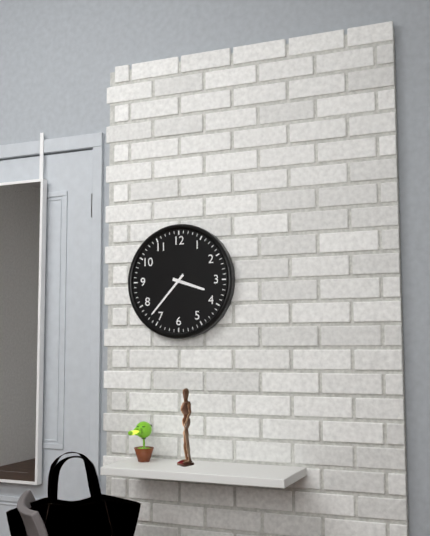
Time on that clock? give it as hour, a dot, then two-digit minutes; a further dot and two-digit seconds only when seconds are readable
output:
3.37
